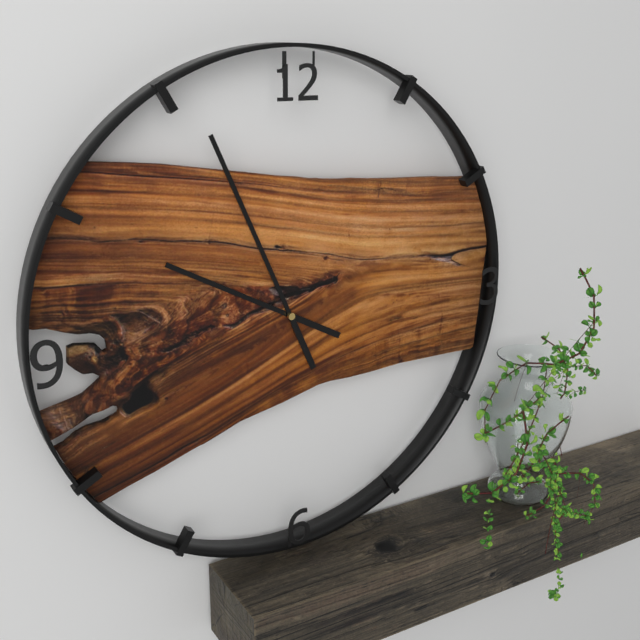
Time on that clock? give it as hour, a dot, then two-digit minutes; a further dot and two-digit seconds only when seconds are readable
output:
9.56
